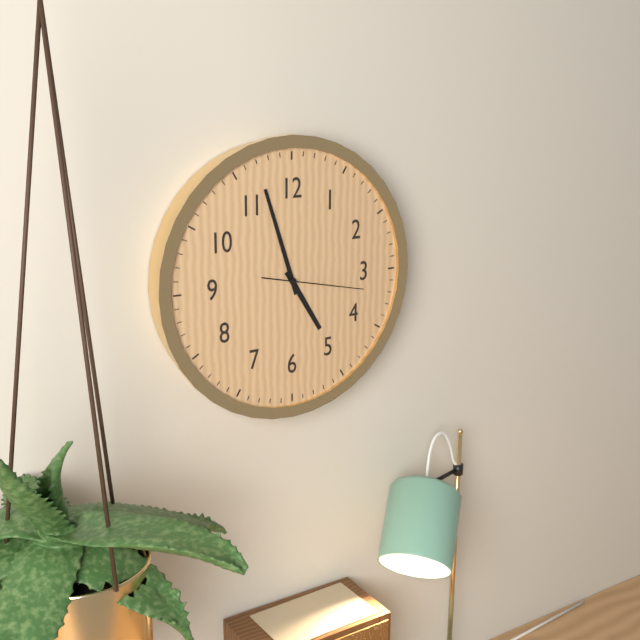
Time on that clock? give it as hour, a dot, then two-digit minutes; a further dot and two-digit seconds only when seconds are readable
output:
4.57.17
